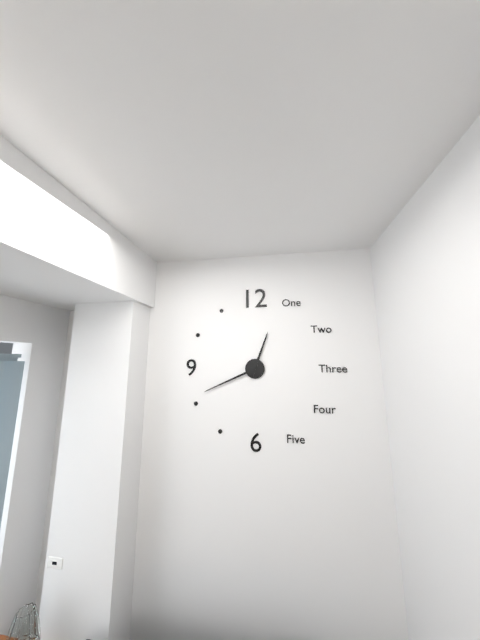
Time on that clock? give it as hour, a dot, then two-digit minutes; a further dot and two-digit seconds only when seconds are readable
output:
12.41
